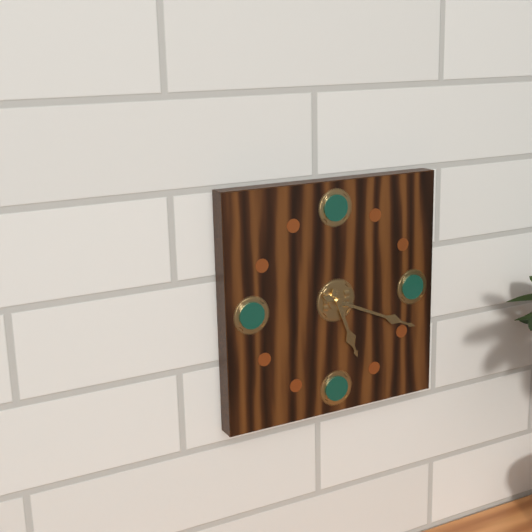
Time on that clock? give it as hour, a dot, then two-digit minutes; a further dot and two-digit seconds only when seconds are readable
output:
5.19
